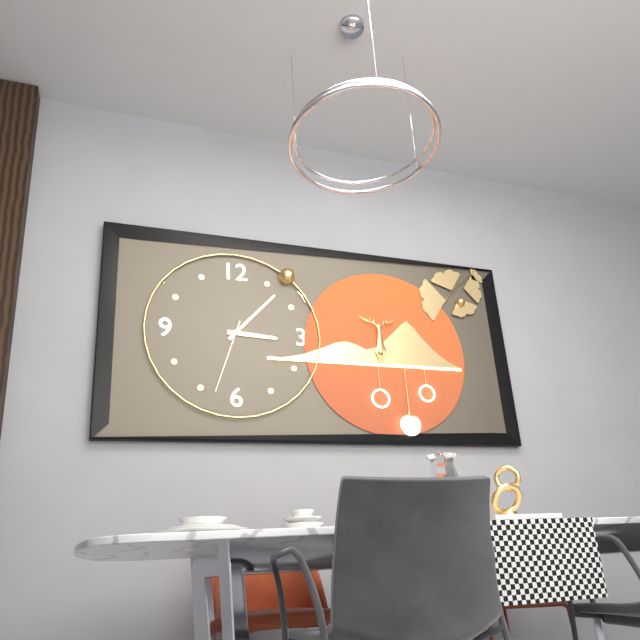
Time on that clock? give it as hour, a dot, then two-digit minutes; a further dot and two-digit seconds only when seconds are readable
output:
3.07.33
